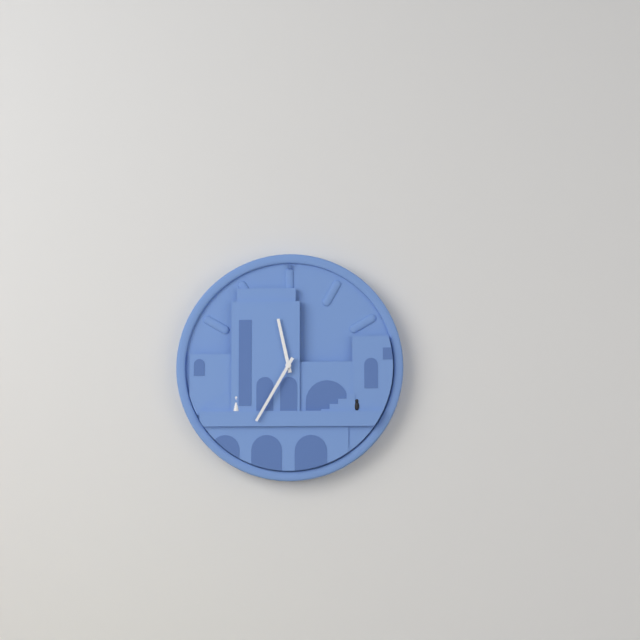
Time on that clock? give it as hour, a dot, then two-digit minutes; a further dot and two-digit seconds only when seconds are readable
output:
11.35
